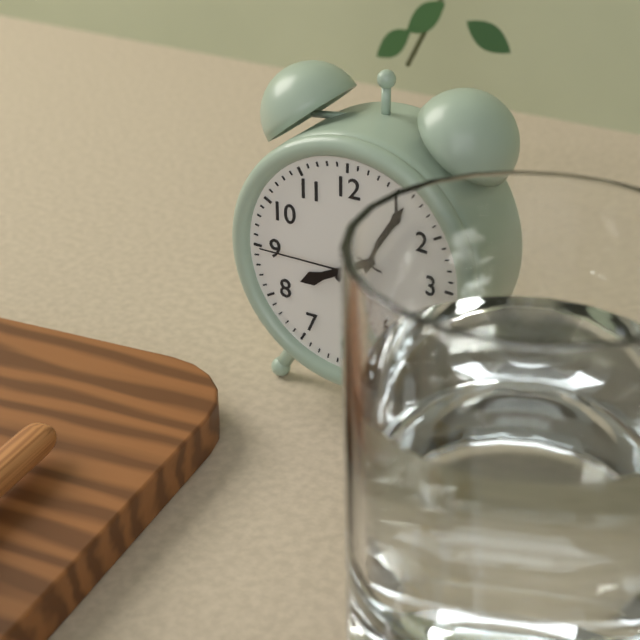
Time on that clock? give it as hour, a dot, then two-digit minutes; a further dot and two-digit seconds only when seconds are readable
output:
8.06.45
